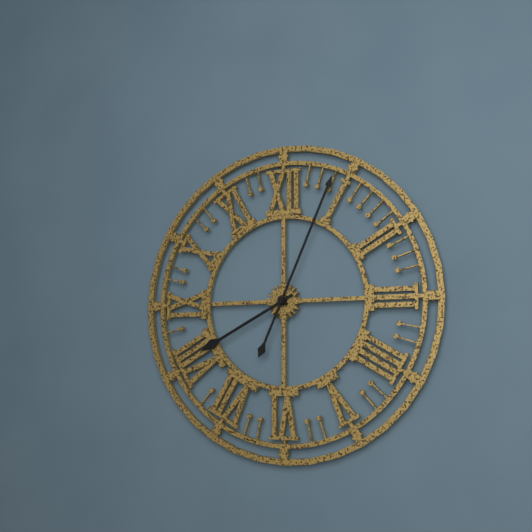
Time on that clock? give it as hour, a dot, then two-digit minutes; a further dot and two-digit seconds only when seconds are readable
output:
8.04
